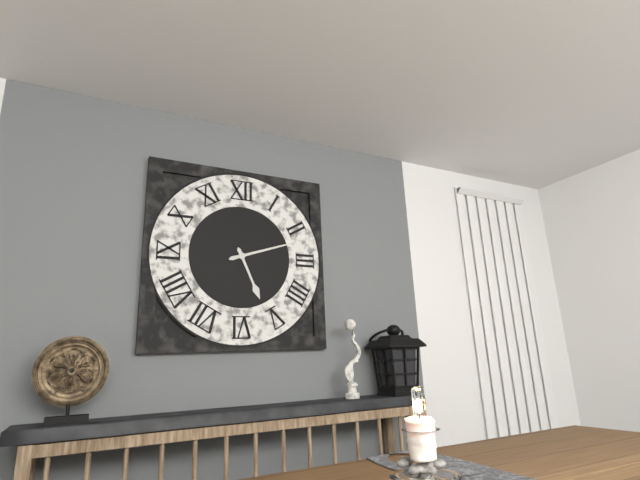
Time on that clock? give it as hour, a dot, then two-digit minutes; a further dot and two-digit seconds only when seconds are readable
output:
5.12
